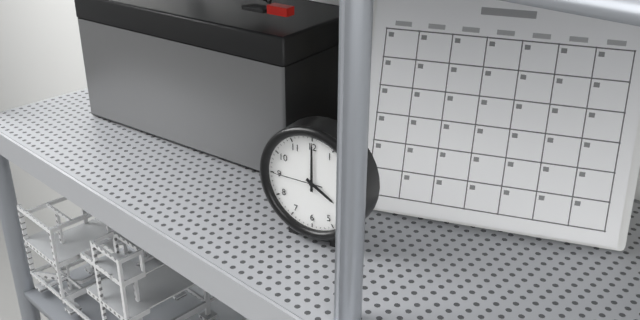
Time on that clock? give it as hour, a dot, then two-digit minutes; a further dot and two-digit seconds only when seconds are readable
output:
4.00.45
